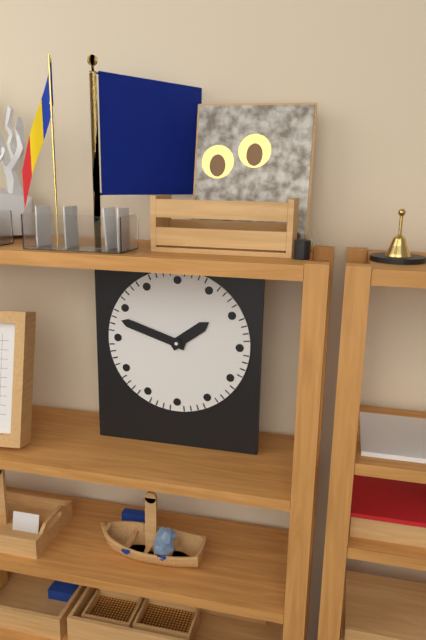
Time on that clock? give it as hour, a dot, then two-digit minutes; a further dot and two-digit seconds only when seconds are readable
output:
1.48
